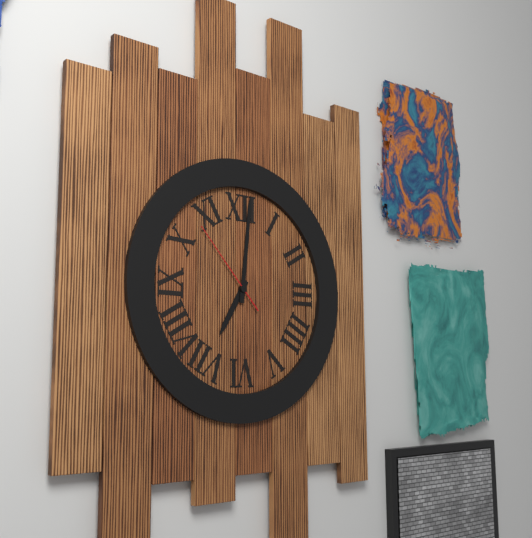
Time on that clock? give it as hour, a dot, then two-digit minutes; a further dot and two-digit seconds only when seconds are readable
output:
7.01.53
